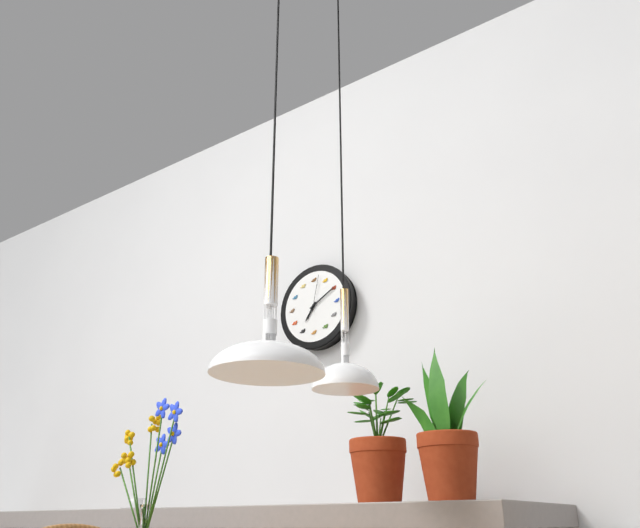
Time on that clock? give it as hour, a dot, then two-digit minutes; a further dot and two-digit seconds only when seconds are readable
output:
7.10
